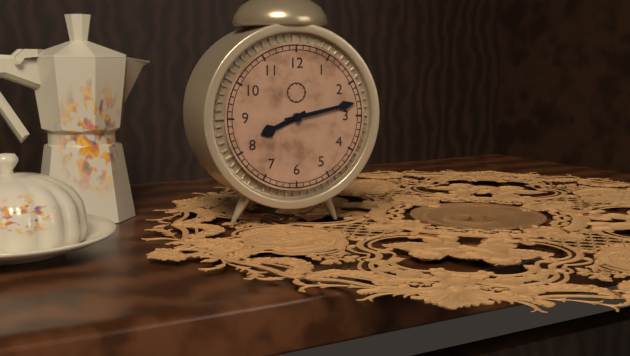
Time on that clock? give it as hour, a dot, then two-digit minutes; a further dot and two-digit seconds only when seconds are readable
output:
8.13
